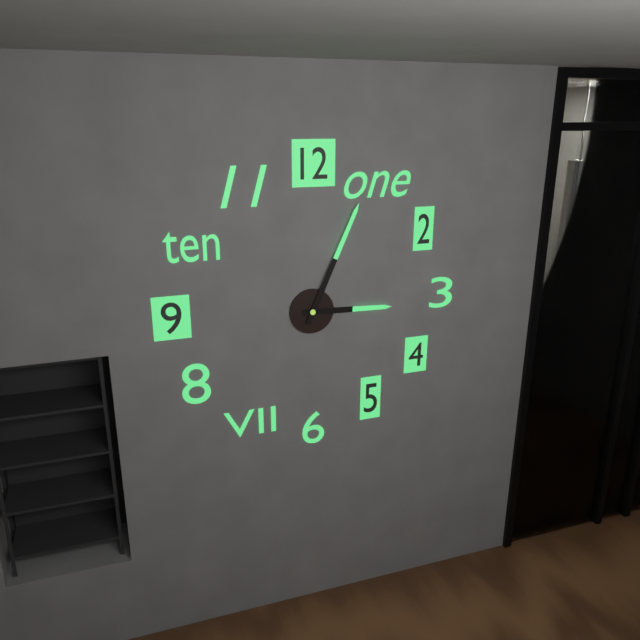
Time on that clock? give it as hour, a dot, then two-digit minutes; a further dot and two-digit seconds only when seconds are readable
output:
3.04
